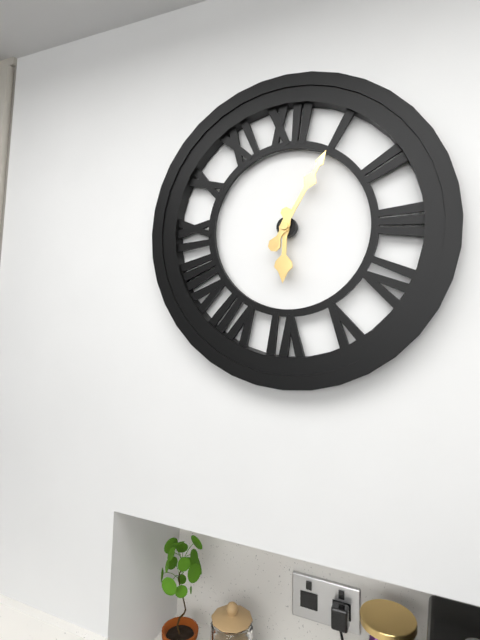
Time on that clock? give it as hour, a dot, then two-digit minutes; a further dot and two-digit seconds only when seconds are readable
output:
6.05
